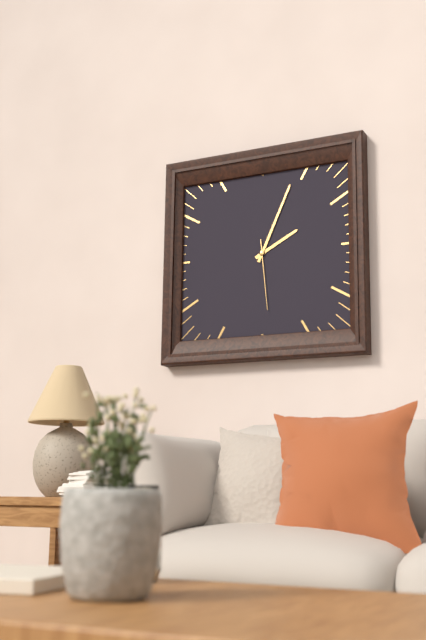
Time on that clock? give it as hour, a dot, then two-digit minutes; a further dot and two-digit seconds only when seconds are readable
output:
2.04.29
